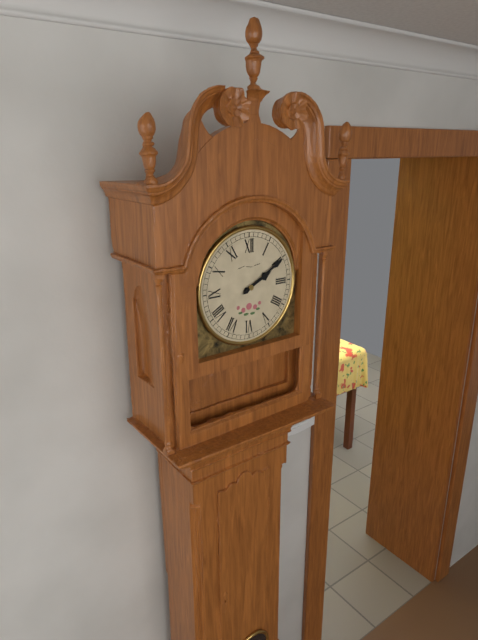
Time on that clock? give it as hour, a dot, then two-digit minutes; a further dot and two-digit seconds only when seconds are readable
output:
2.10
